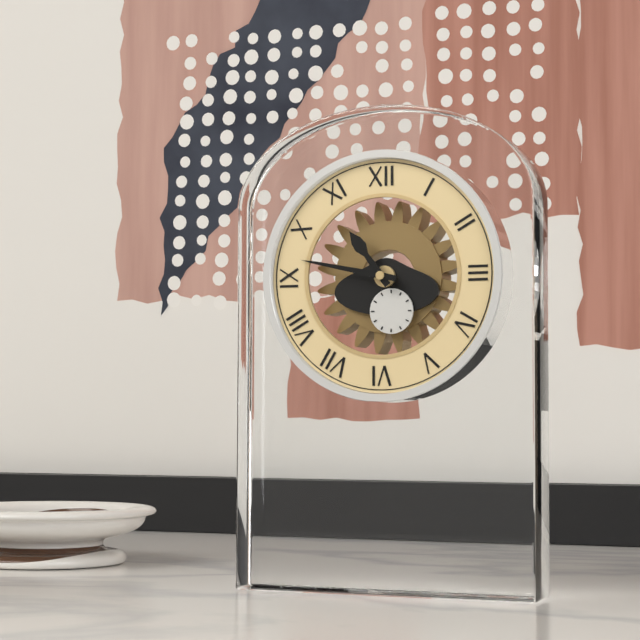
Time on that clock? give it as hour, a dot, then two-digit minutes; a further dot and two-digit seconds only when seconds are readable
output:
10.47
